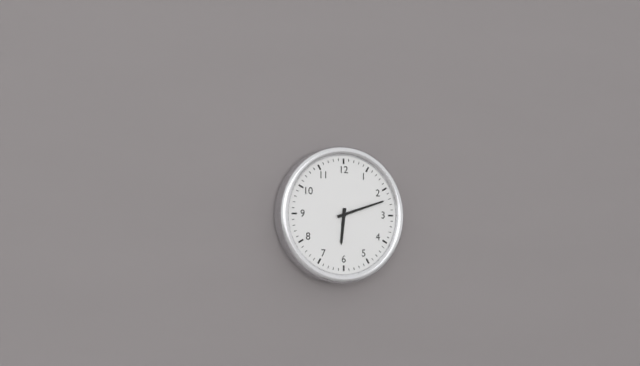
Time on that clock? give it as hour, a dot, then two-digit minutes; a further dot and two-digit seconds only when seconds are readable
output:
6.12
